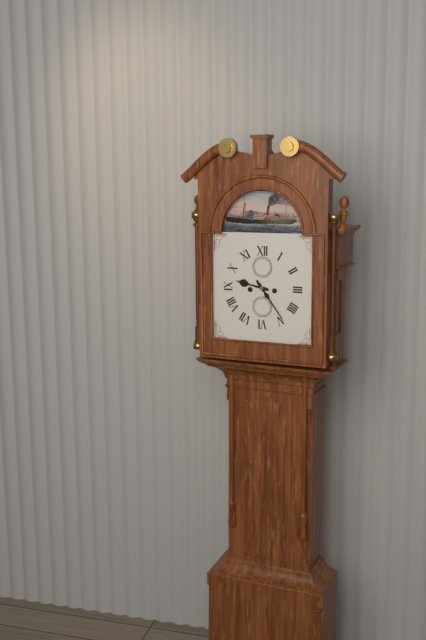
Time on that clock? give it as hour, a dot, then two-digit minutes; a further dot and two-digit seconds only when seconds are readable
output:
9.24
